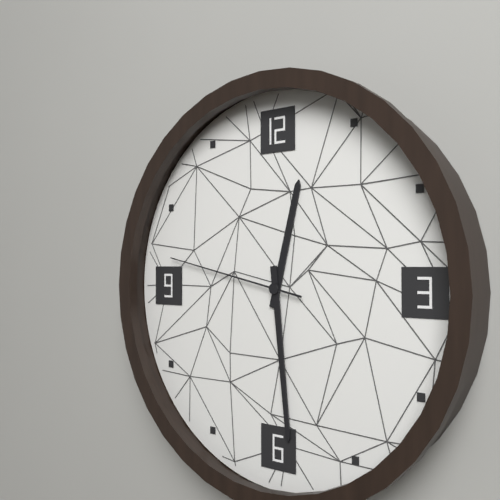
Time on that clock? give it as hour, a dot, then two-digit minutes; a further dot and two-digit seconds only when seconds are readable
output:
12.29.47
